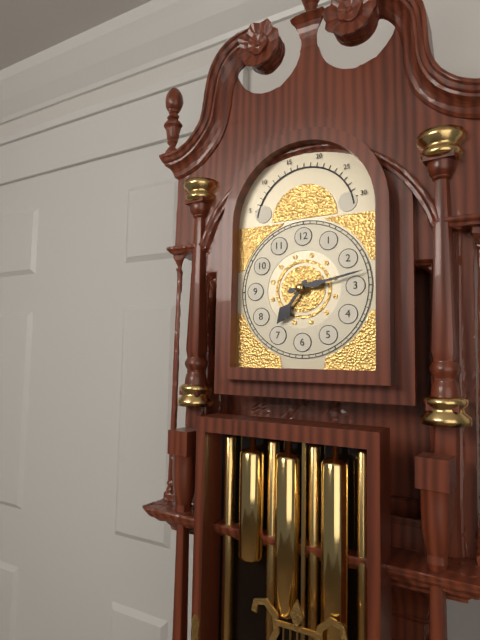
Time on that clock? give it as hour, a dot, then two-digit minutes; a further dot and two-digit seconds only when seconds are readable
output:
7.13
